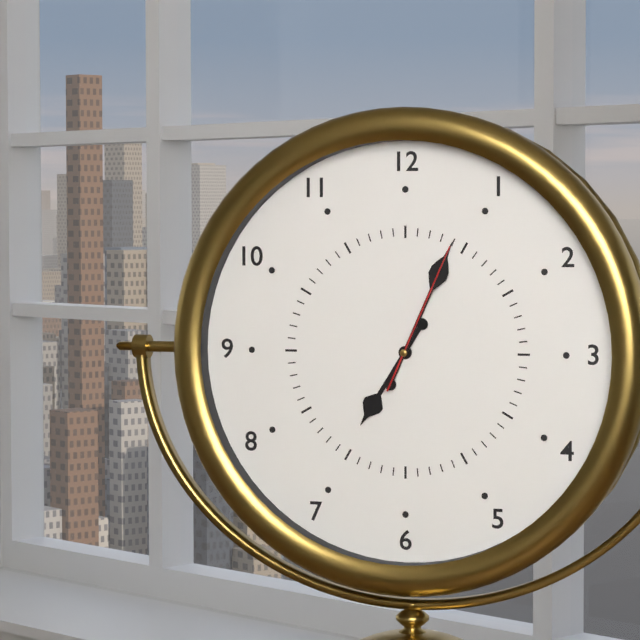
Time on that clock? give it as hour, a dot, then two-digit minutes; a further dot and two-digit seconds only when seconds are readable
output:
7.04.04
